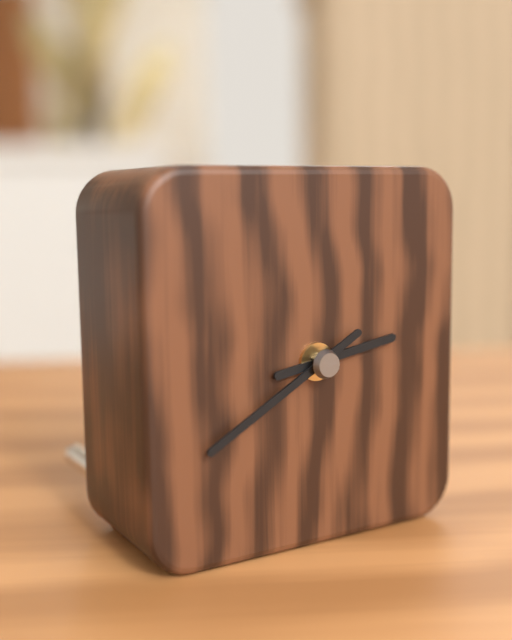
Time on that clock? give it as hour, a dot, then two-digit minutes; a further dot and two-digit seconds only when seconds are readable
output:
2.40
